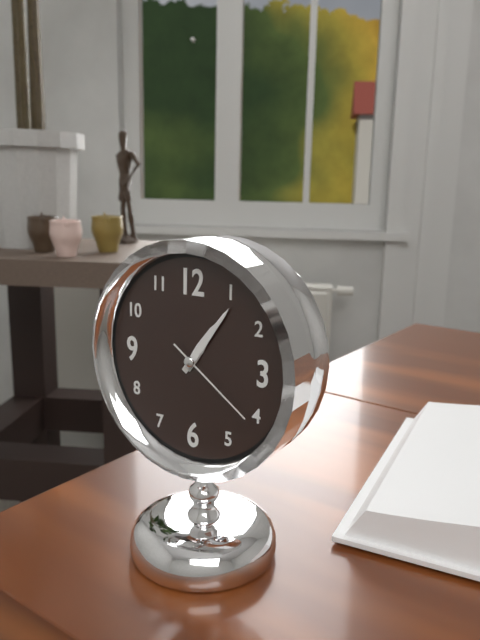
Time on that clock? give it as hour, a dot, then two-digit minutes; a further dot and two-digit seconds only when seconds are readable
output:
1.06.21
